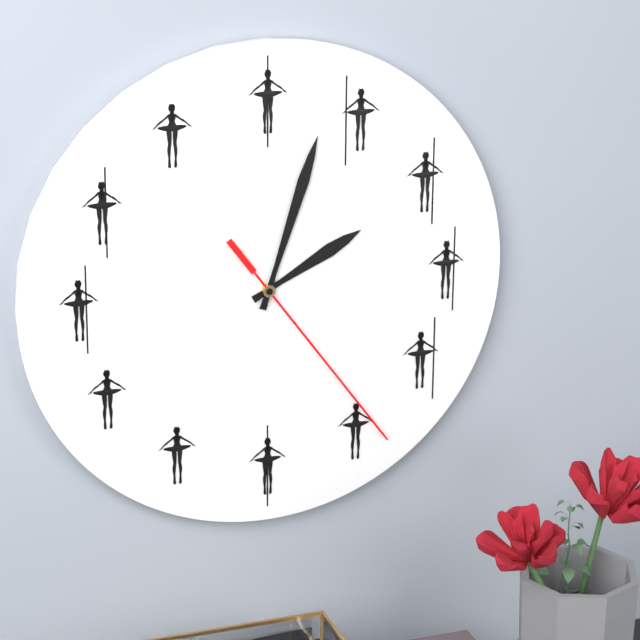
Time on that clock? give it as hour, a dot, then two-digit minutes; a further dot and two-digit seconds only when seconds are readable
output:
2.03.24
